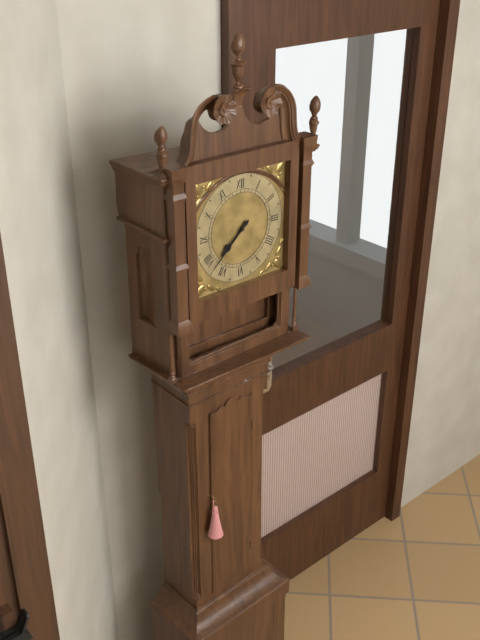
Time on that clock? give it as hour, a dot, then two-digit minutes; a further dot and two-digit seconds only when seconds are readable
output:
7.38
